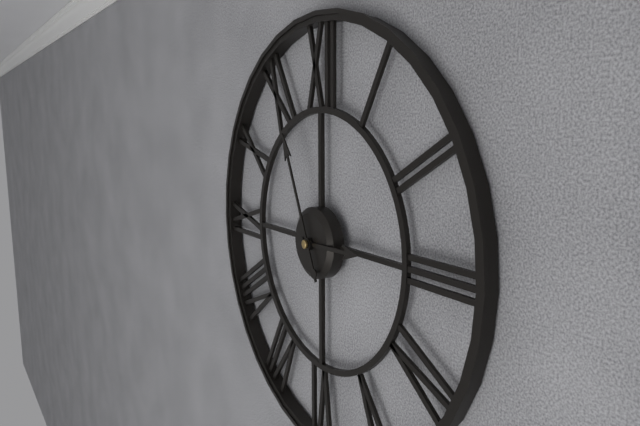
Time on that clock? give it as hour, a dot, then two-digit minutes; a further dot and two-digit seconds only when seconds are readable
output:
2.56
